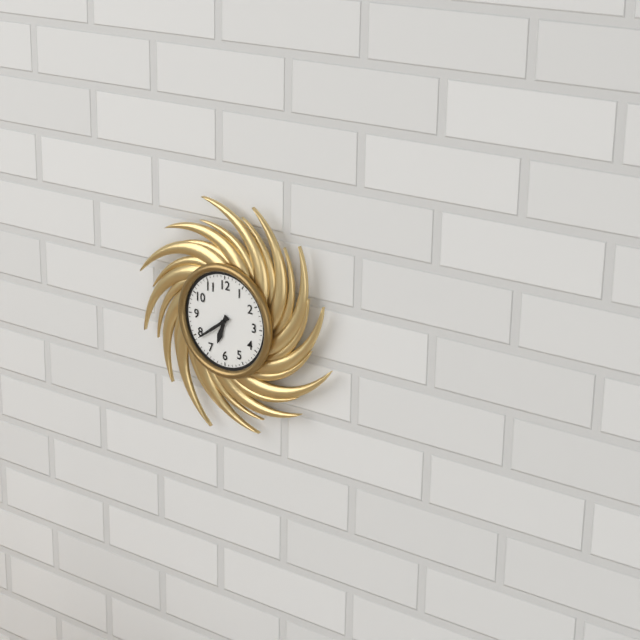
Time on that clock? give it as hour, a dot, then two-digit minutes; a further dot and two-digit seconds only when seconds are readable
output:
6.39
